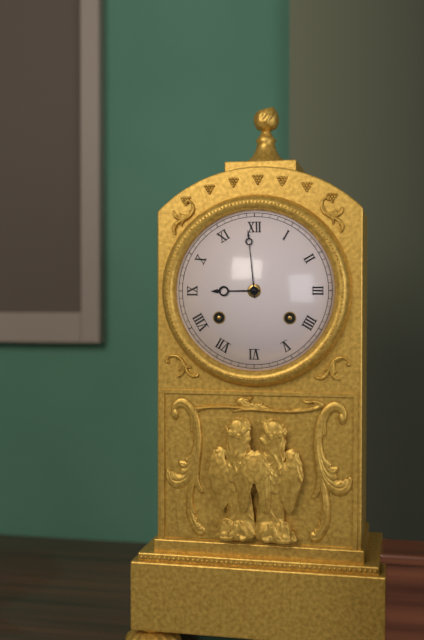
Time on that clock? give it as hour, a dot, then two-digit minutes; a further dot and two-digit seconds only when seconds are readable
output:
8.59
